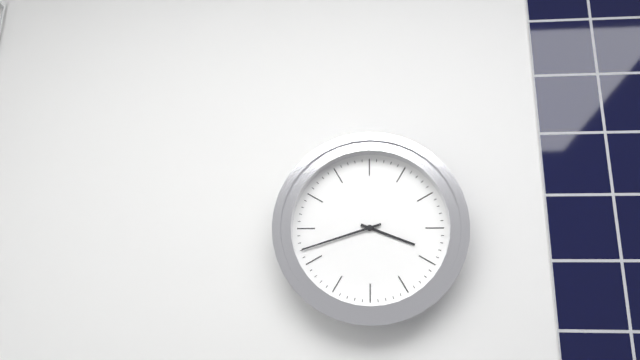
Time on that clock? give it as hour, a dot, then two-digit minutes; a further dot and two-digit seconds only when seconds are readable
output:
3.42
